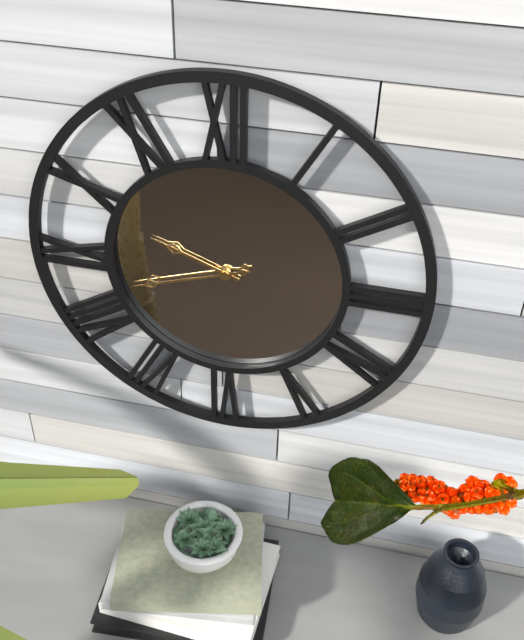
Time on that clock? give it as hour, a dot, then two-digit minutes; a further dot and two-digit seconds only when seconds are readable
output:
9.42
